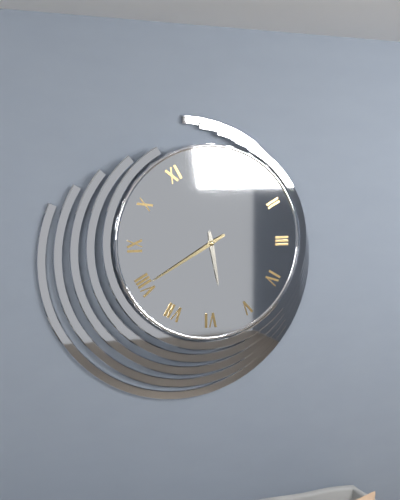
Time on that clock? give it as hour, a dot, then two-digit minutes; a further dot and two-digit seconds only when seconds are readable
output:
5.40
